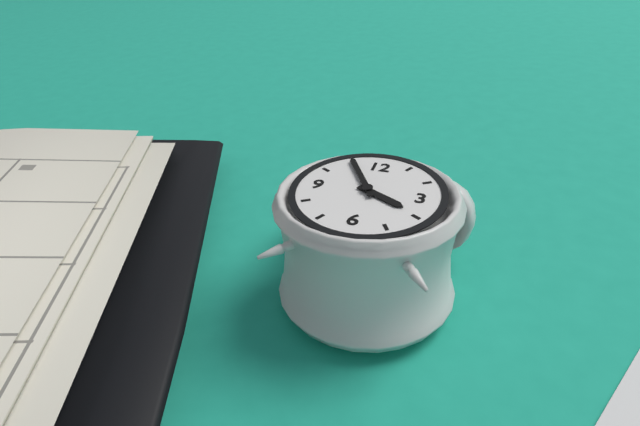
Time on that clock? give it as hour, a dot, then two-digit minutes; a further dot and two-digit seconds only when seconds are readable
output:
3.55
